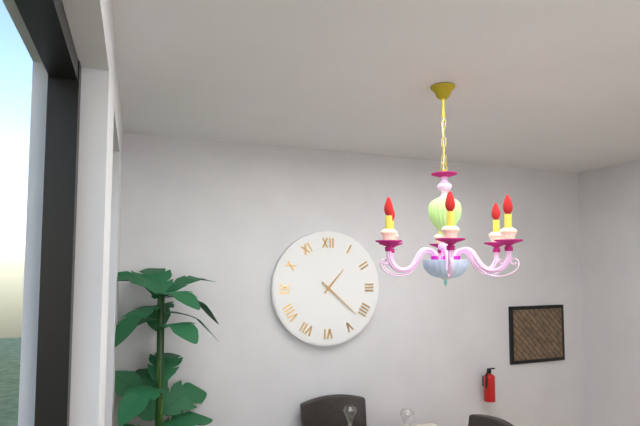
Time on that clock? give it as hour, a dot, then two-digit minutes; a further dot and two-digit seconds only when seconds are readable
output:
1.22
